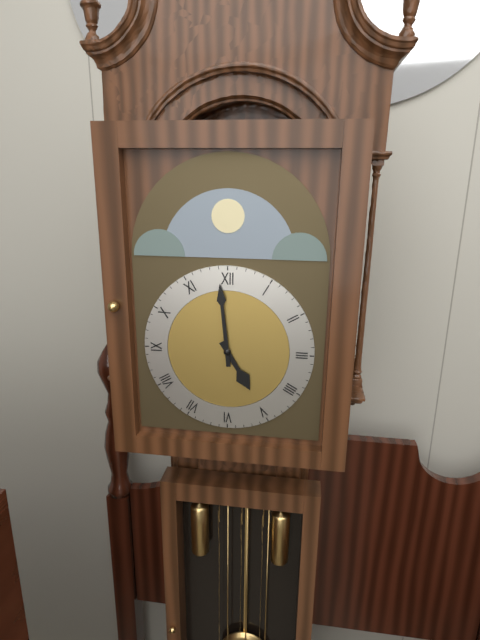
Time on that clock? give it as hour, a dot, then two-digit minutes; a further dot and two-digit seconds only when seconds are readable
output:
4.59
